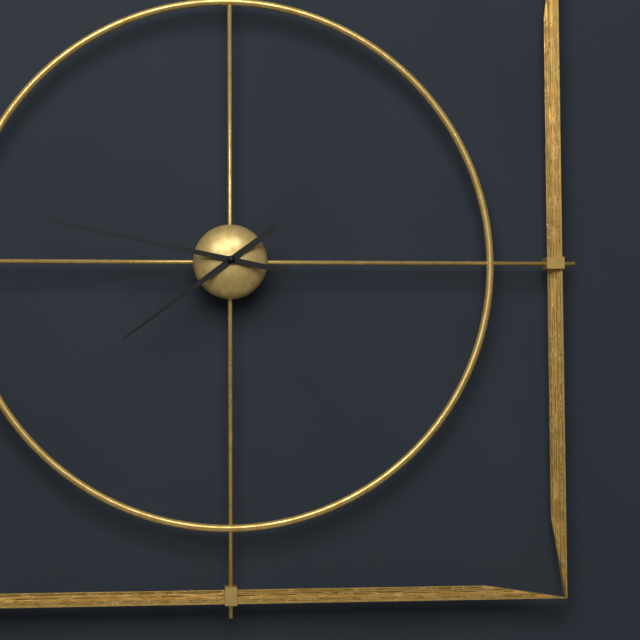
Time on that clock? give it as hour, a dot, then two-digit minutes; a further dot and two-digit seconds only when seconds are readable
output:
7.47
